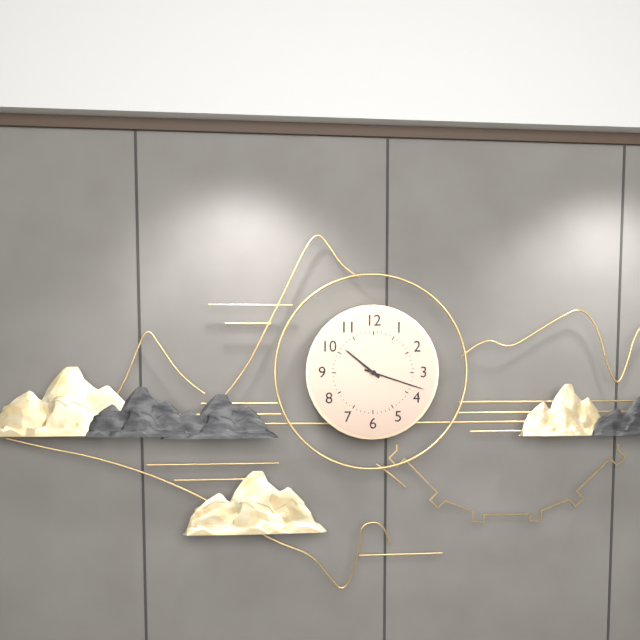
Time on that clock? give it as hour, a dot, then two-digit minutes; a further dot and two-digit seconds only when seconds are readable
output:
10.18
